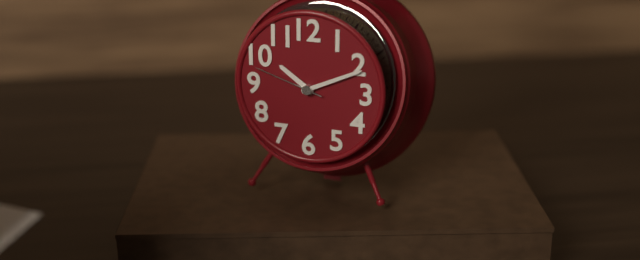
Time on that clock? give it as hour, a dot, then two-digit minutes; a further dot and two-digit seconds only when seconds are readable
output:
10.11.48
